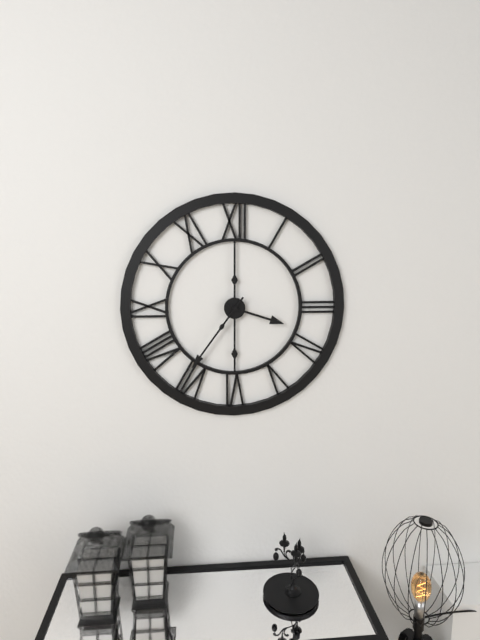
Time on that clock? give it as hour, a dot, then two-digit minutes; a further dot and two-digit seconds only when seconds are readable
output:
3.36
